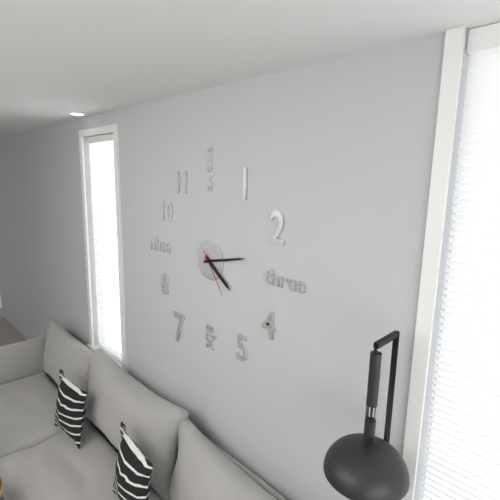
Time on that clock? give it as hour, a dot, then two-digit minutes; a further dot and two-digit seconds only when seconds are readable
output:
4.13
